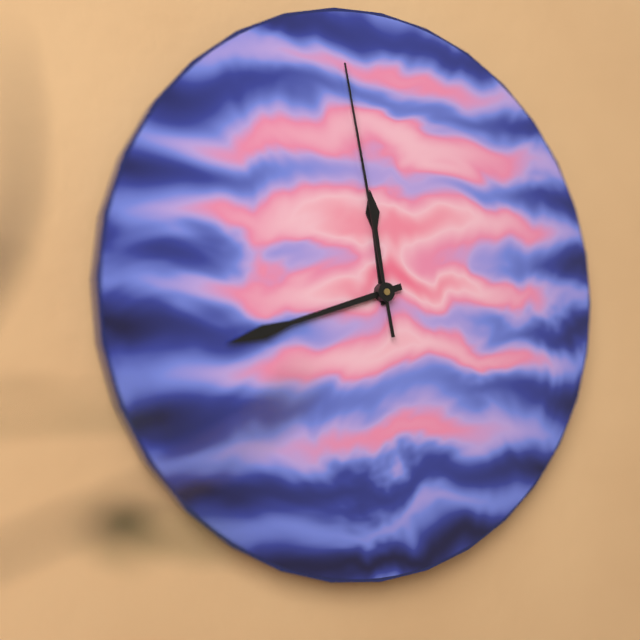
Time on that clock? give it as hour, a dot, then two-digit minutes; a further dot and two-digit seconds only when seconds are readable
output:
11.42.58
